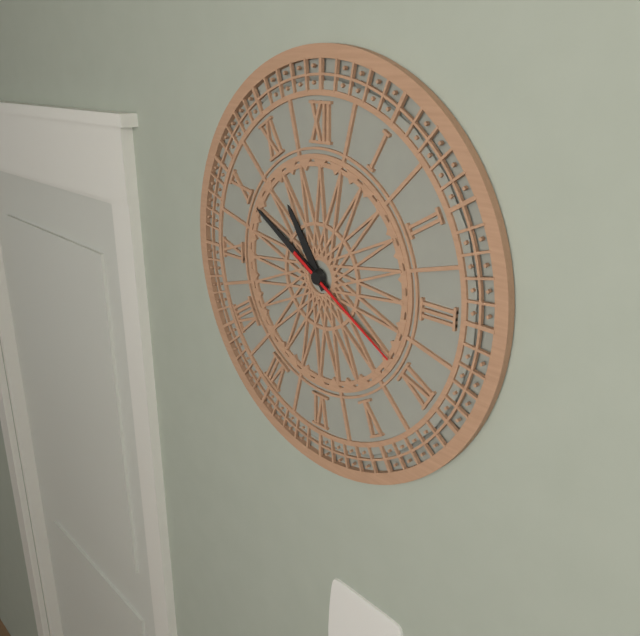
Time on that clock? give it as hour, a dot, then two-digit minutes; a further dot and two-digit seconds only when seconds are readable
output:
10.50.20
